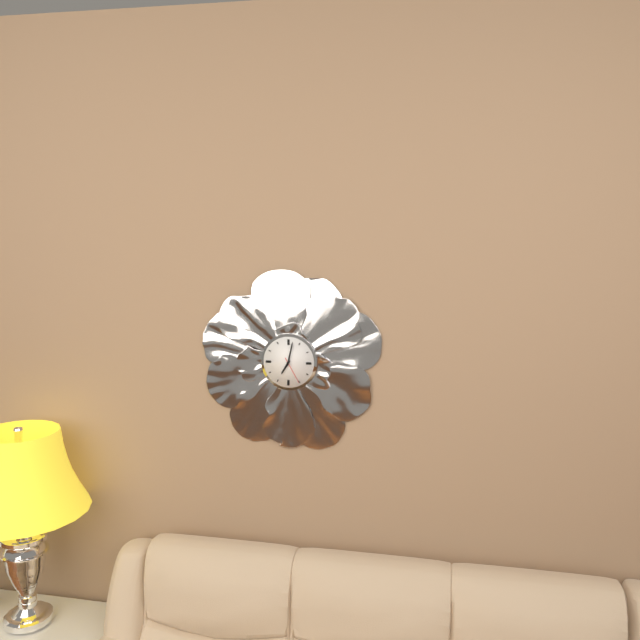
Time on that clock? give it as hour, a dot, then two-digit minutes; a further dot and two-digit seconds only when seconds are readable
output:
7.02
